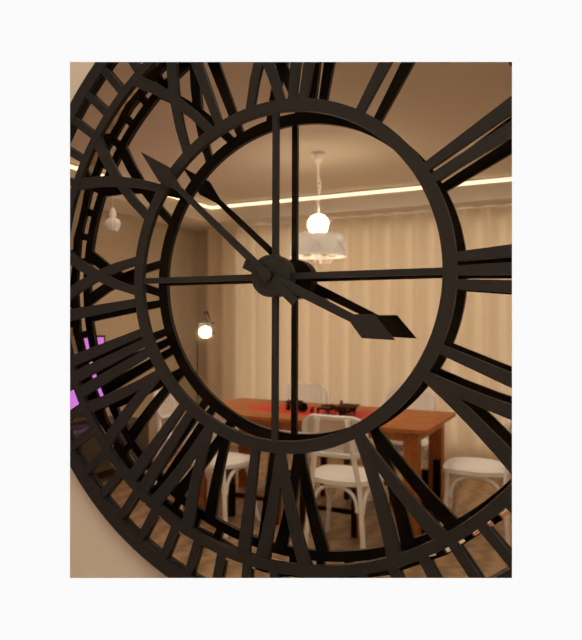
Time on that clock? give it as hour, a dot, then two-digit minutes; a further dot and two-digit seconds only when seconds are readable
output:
3.52
